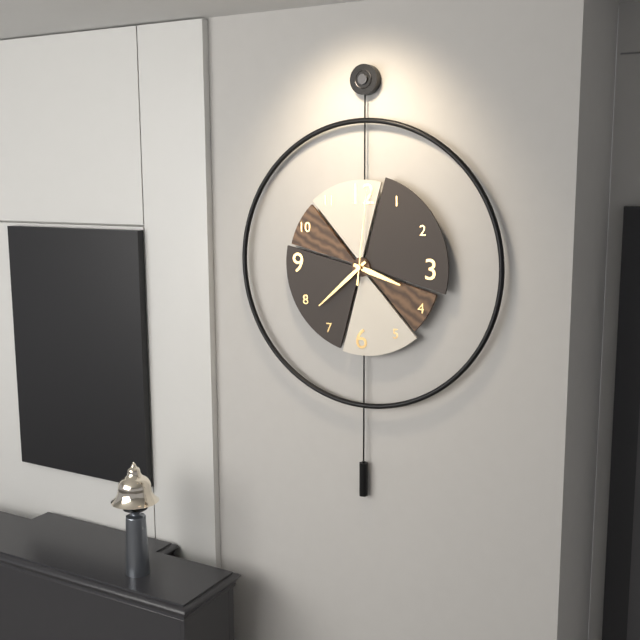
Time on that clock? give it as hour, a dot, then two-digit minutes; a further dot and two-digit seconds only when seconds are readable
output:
3.38.01
